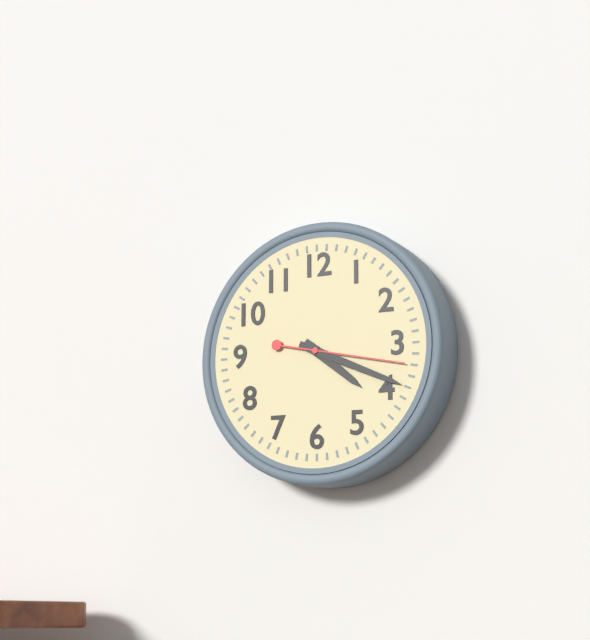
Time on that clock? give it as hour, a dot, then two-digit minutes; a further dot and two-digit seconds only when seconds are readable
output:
4.19.17
